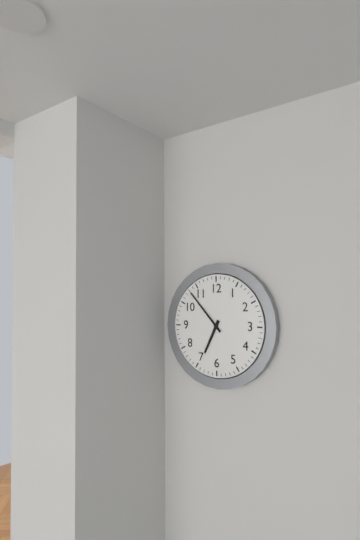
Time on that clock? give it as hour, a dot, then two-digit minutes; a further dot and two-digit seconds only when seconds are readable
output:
6.53
